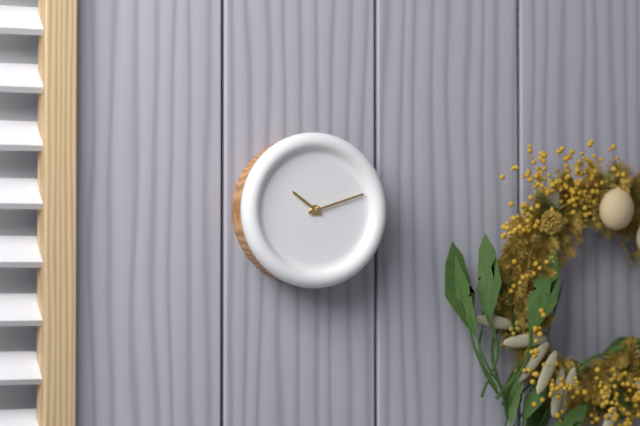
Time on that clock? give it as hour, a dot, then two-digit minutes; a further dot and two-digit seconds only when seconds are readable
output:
10.12
